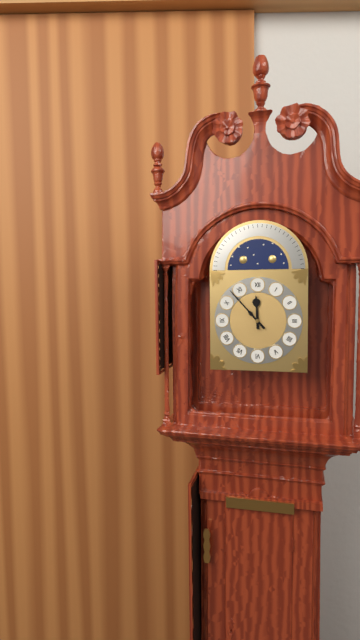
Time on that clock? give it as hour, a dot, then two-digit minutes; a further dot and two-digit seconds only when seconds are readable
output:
11.53
